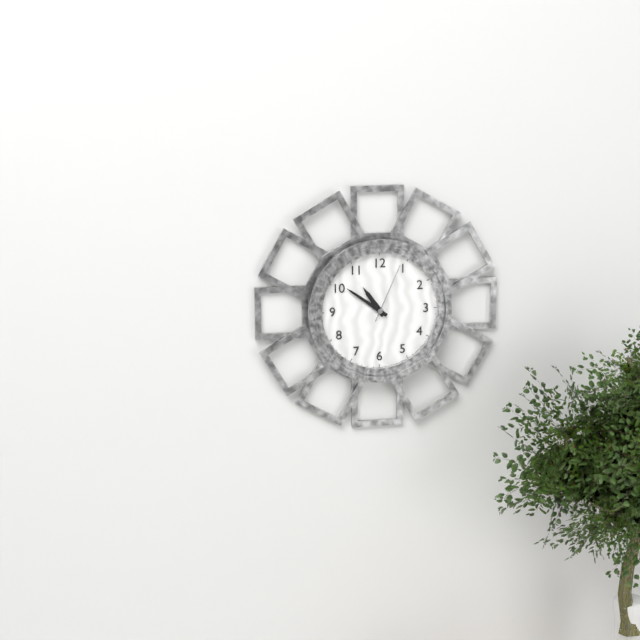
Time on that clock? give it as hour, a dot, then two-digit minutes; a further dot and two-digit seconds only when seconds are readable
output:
10.51.04
